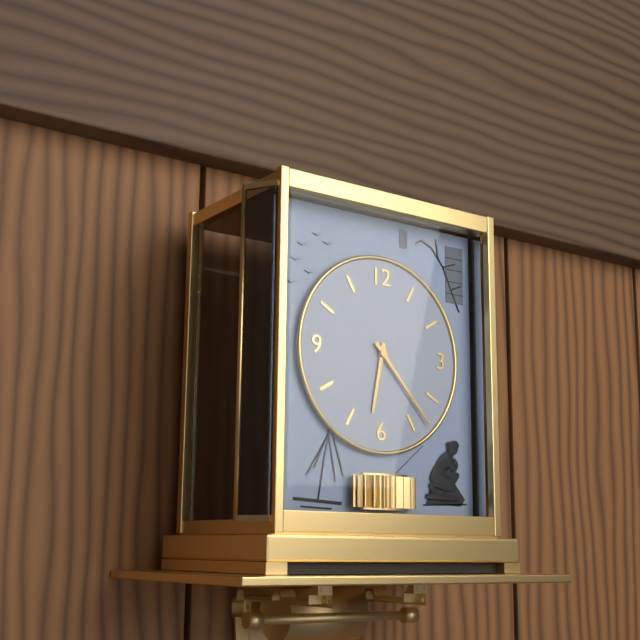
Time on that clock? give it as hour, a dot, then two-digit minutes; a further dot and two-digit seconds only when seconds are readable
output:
6.23
